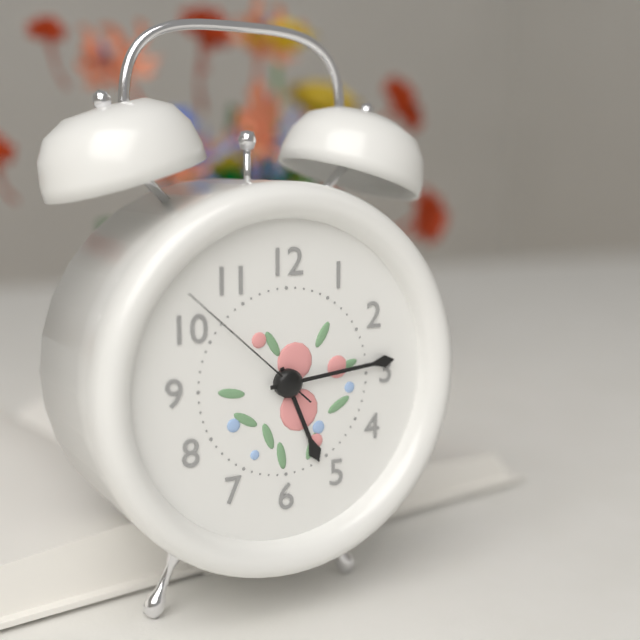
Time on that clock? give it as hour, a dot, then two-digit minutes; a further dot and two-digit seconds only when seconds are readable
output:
5.14.52
